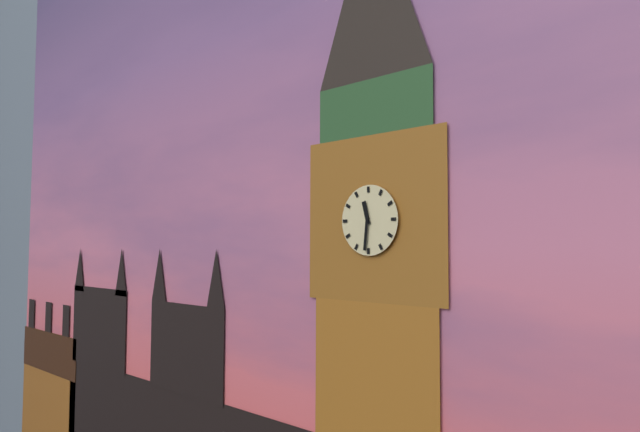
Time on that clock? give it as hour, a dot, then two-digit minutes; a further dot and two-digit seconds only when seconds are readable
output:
11.31
